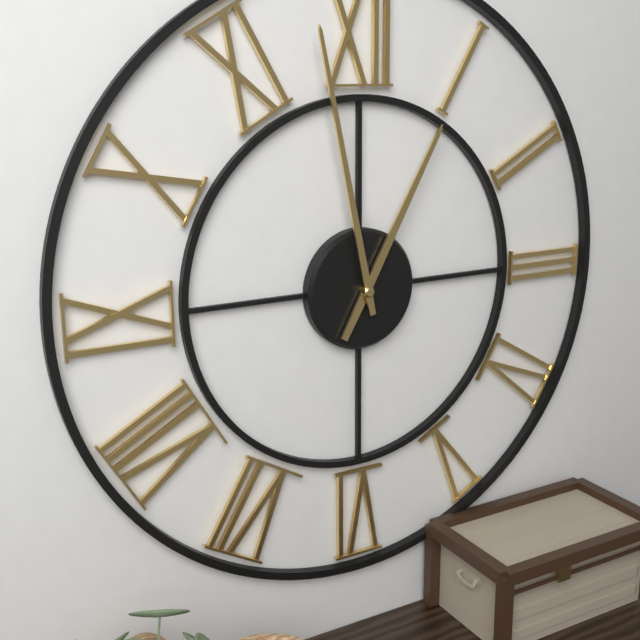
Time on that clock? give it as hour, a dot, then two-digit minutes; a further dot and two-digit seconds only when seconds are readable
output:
12.58
